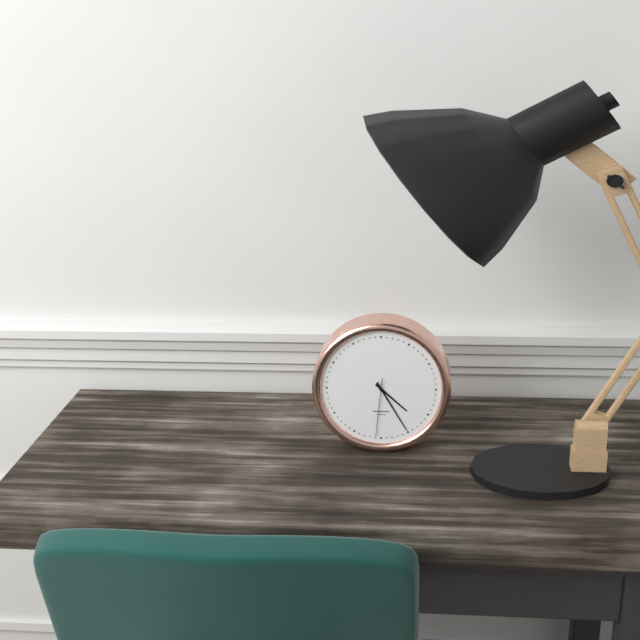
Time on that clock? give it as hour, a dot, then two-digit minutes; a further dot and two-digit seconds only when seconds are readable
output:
4.25.31
